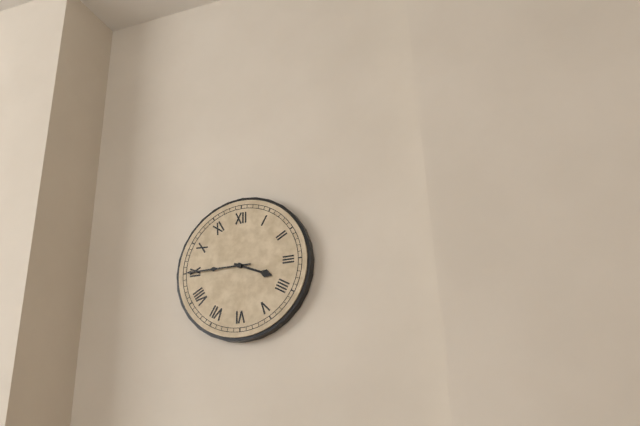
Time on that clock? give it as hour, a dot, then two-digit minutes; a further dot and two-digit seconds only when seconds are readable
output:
3.45
